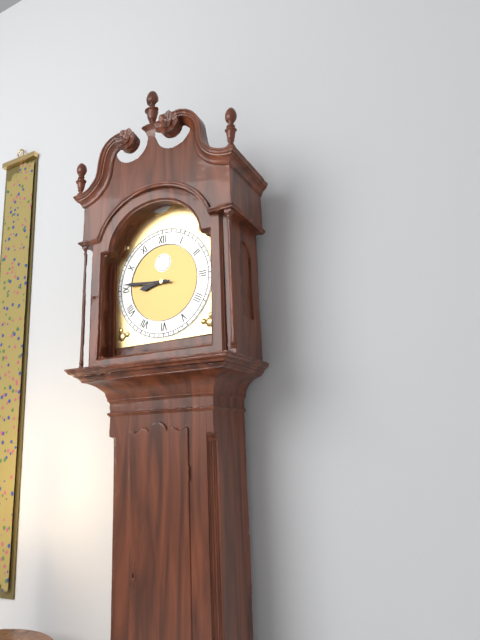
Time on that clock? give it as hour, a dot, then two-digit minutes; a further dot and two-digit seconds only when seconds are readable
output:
8.46
